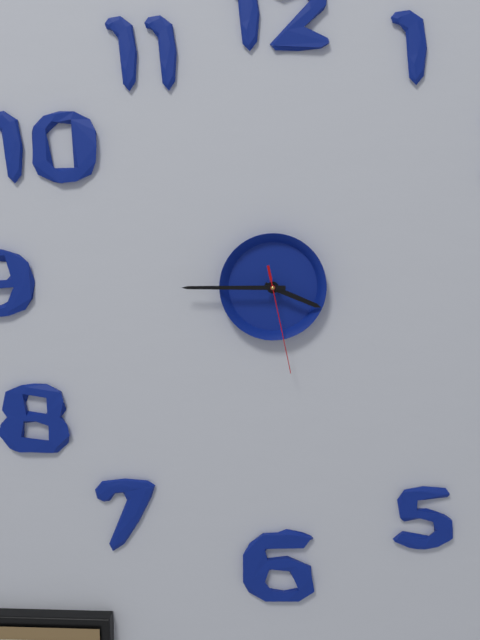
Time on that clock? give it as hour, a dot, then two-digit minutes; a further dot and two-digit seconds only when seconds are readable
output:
3.45.28
